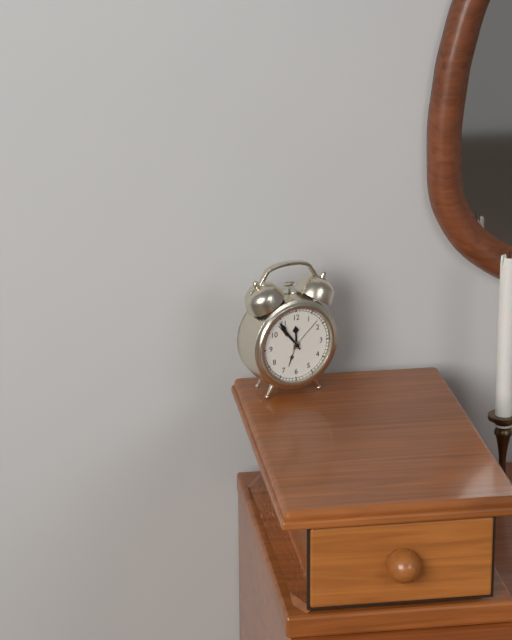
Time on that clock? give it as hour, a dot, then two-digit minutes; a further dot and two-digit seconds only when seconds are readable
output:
11.54
